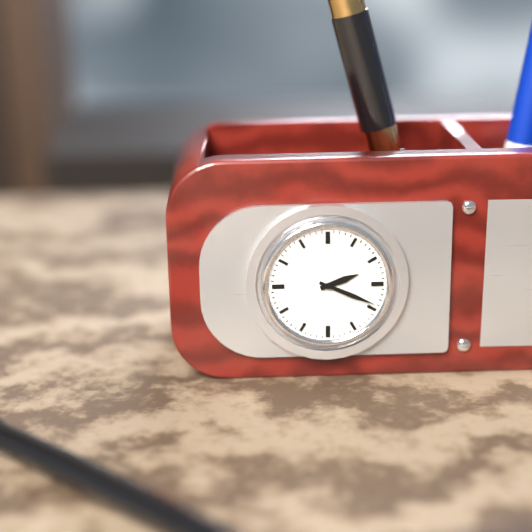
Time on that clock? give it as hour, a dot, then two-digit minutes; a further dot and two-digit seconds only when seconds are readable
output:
2.19
